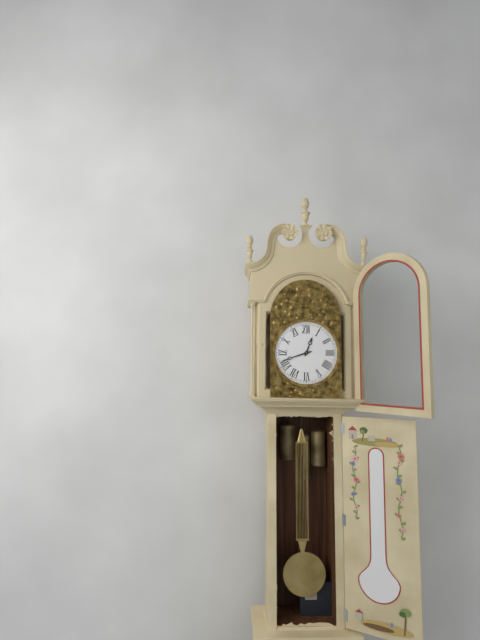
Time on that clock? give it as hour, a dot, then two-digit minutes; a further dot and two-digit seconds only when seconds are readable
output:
12.42
